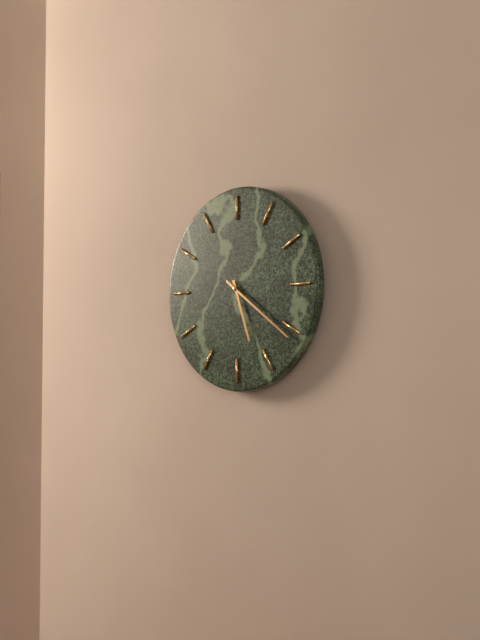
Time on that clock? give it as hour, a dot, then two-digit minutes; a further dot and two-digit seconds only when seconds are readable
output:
5.21
